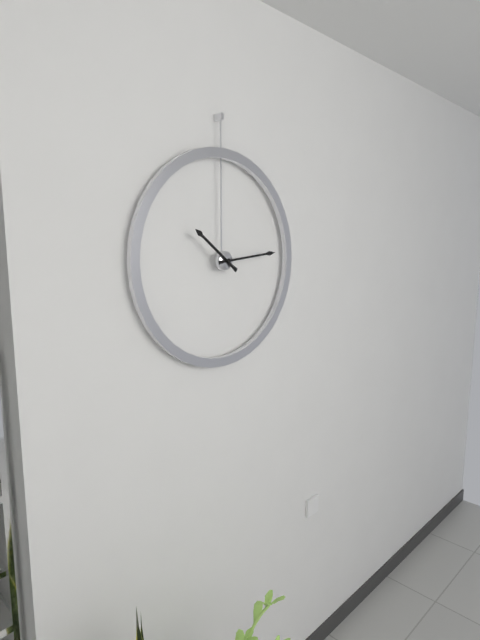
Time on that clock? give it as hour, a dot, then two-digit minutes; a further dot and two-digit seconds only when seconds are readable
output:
10.14
